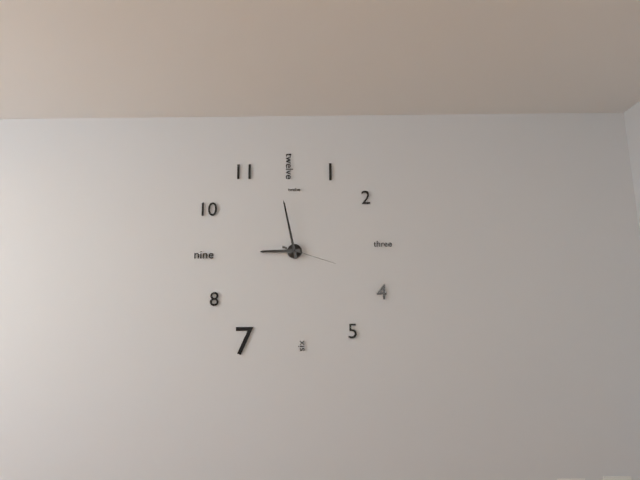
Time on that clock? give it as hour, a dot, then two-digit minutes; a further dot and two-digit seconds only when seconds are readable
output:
8.58.18
